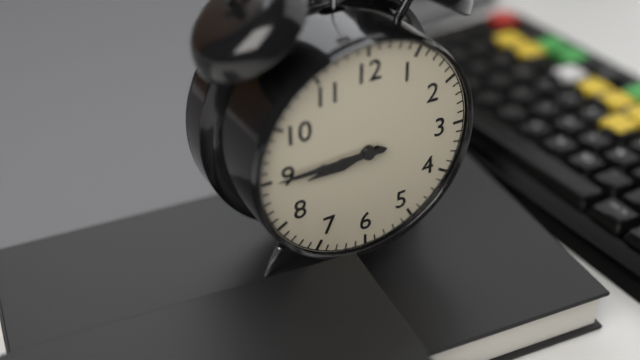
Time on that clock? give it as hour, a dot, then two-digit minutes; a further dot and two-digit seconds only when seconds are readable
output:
8.45
